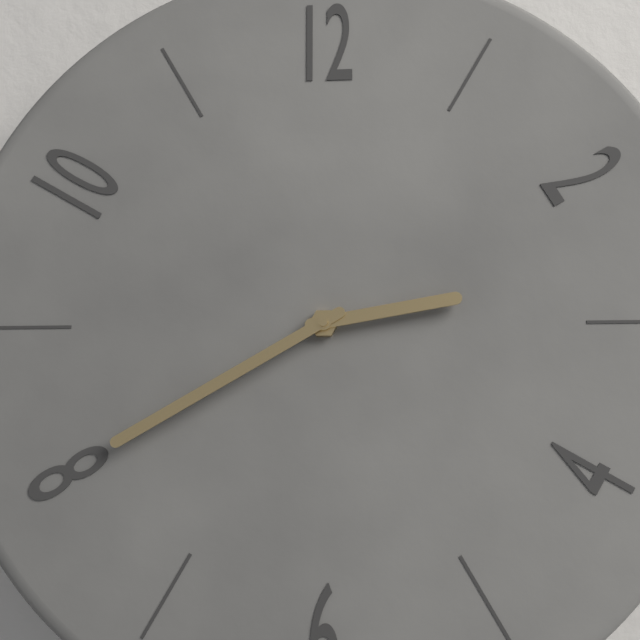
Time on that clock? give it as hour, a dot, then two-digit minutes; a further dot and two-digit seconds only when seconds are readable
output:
2.40
